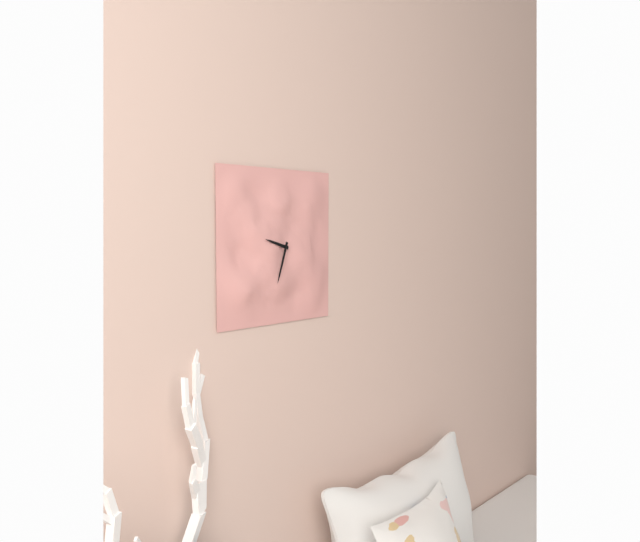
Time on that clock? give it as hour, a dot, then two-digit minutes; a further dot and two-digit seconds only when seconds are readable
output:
9.33
